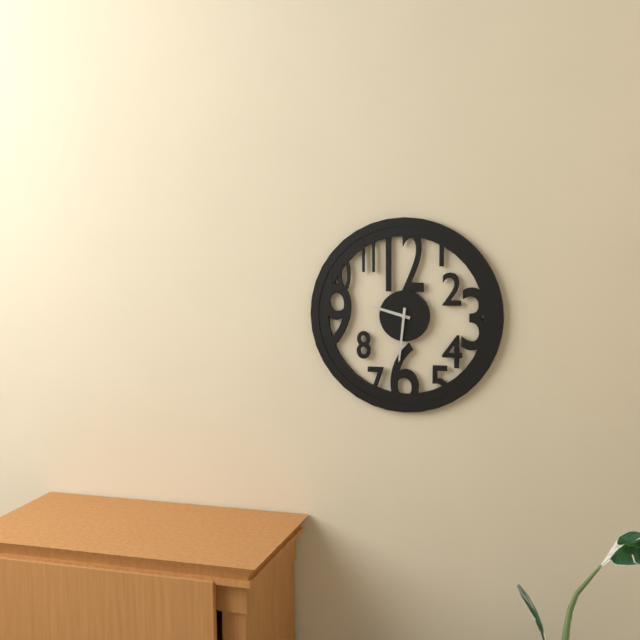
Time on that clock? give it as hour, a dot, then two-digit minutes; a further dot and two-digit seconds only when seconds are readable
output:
9.31
